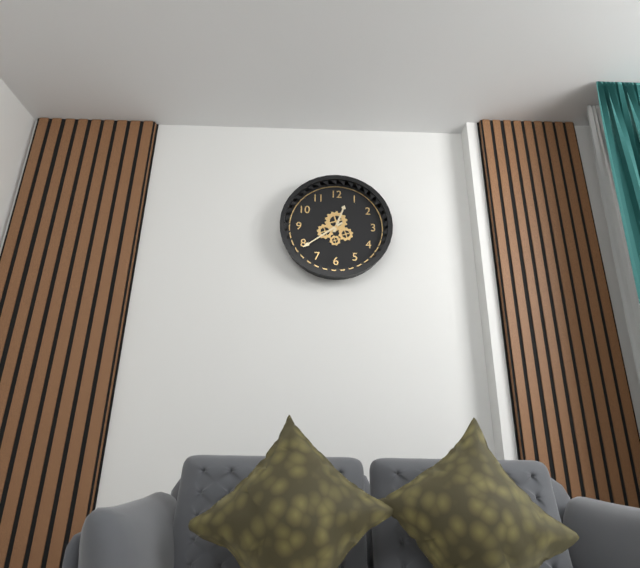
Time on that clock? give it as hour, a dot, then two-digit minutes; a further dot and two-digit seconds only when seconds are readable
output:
12.39
